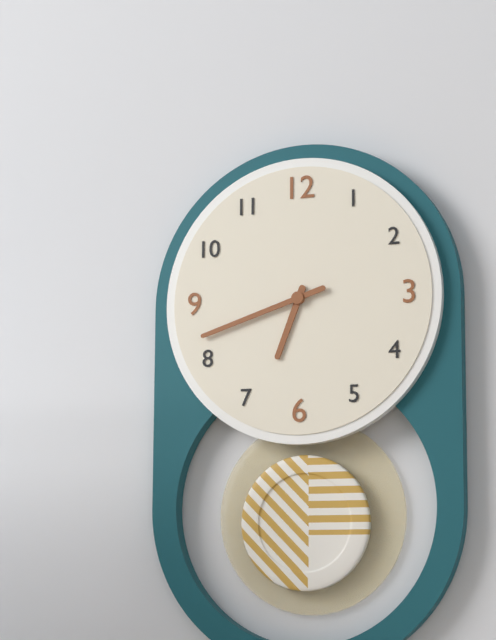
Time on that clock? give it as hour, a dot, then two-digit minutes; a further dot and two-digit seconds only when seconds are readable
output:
6.42
